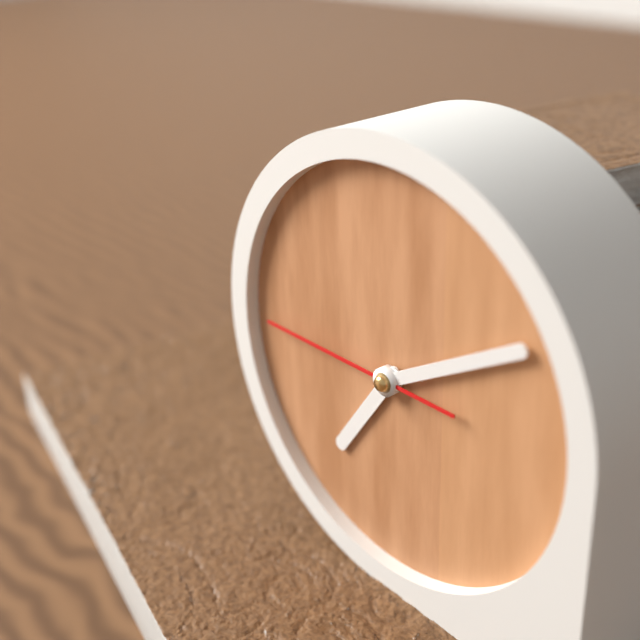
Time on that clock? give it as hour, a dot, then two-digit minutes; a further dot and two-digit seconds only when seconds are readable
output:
7.10.45
